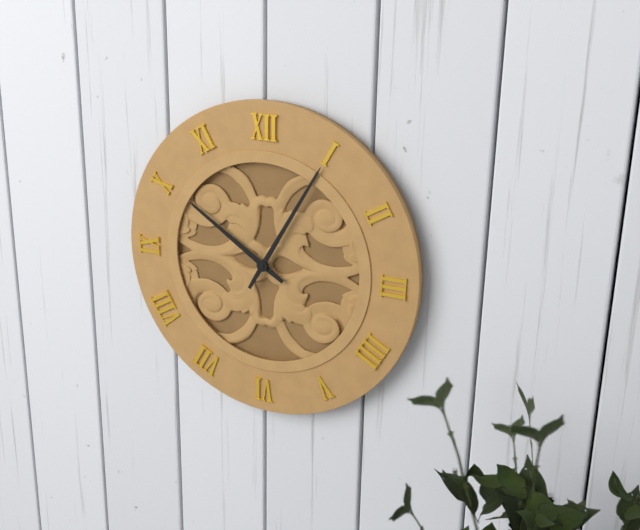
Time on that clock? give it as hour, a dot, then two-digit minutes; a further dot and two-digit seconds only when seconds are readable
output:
10.05
